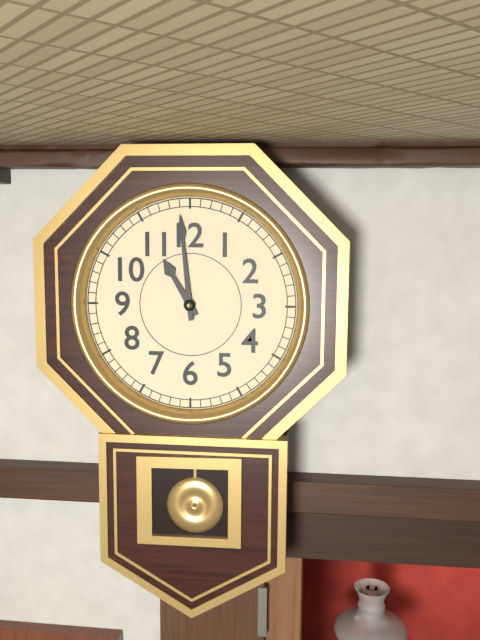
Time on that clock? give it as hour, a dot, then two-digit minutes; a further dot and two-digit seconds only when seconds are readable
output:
10.59
